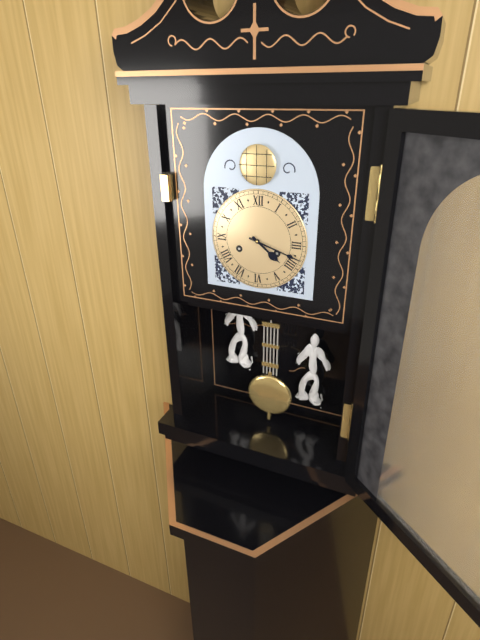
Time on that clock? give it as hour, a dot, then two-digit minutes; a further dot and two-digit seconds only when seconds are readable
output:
4.18
